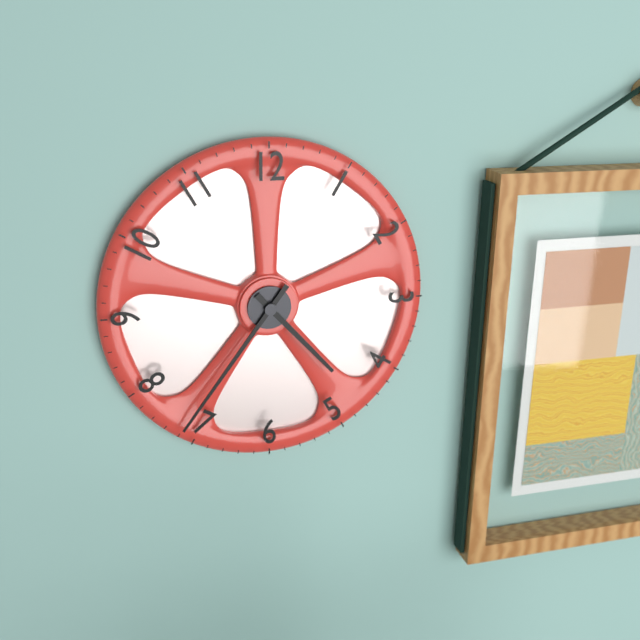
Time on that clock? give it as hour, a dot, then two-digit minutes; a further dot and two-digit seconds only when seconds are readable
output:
4.36
